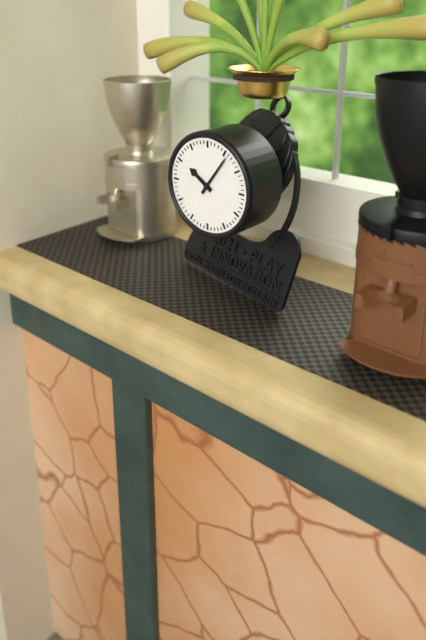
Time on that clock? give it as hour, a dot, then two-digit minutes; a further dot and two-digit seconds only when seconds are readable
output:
10.06
